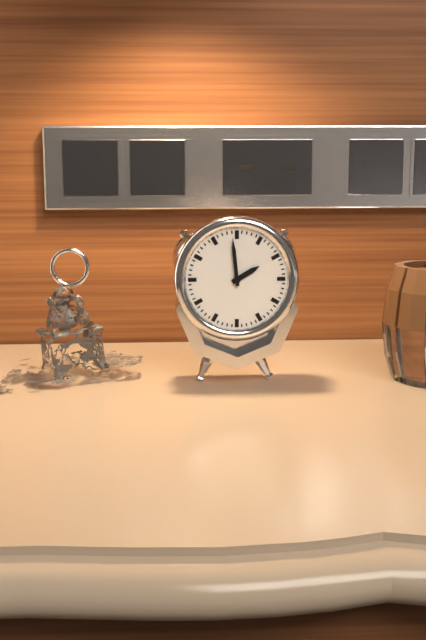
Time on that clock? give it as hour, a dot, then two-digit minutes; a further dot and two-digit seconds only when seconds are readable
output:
1.59
